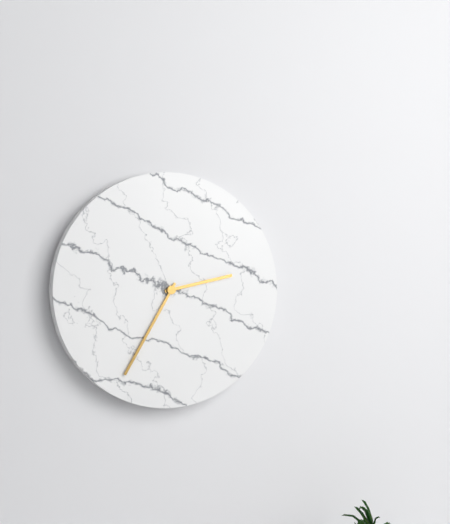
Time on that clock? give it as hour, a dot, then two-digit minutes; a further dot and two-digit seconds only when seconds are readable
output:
2.35
